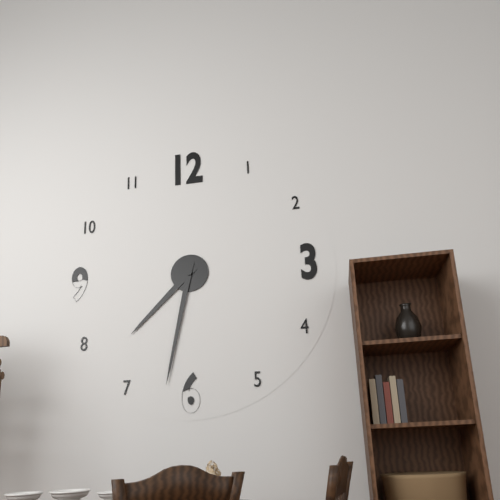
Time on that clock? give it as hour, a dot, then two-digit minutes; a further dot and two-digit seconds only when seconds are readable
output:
7.32
